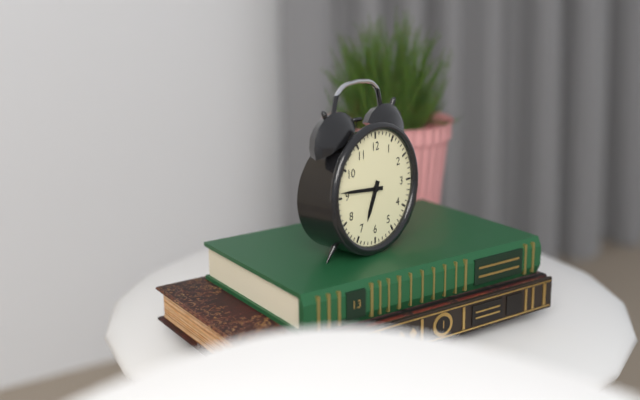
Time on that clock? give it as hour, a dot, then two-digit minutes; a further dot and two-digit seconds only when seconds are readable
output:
6.46
